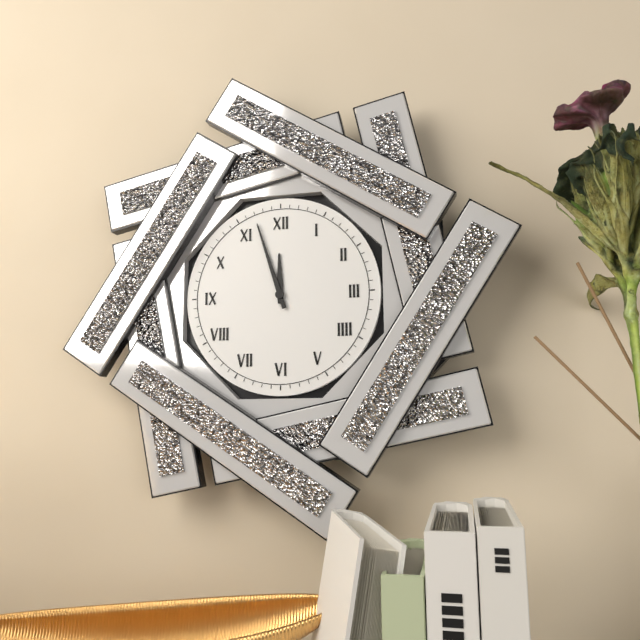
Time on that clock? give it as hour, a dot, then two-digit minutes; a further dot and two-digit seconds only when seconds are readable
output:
11.57
